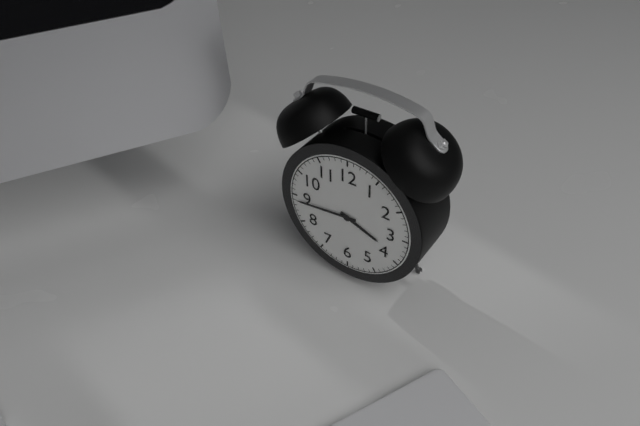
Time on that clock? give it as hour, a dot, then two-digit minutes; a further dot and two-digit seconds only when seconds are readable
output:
3.44
